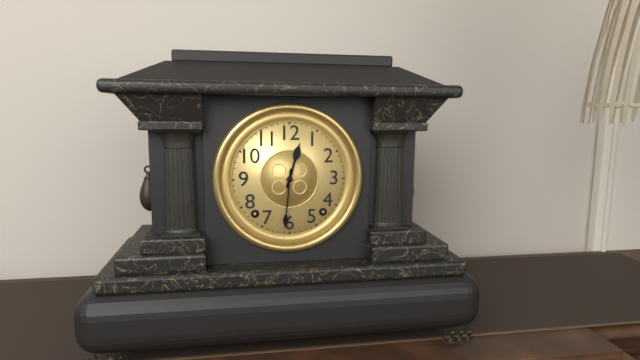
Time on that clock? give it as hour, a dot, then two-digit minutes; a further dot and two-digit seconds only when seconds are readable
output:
12.31
